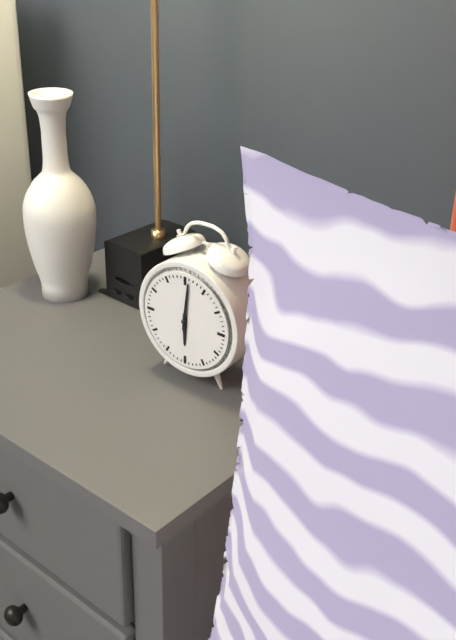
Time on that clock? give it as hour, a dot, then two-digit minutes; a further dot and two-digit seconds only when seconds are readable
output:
6.01
